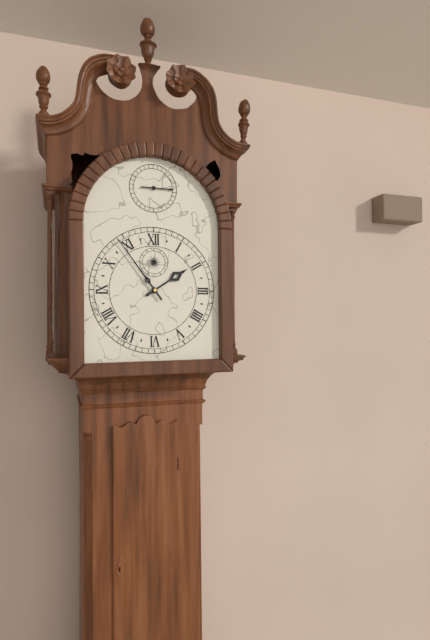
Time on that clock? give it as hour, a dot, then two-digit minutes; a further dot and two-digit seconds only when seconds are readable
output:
1.54
